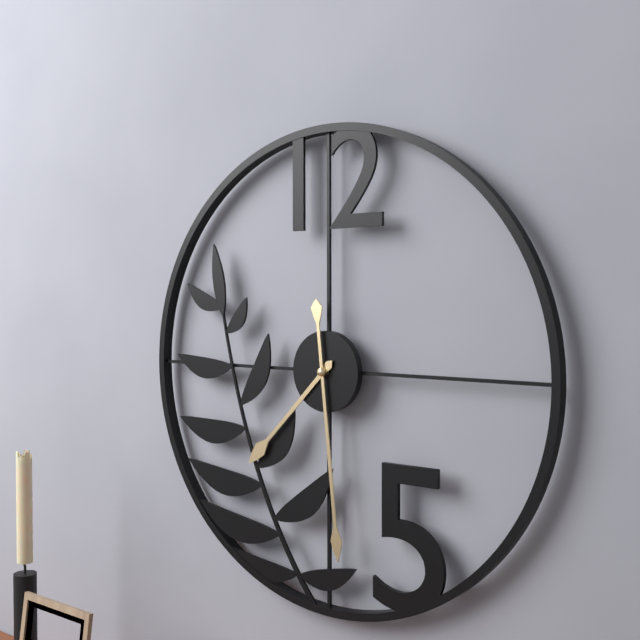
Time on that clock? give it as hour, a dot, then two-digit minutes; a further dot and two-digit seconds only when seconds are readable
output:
7.29
